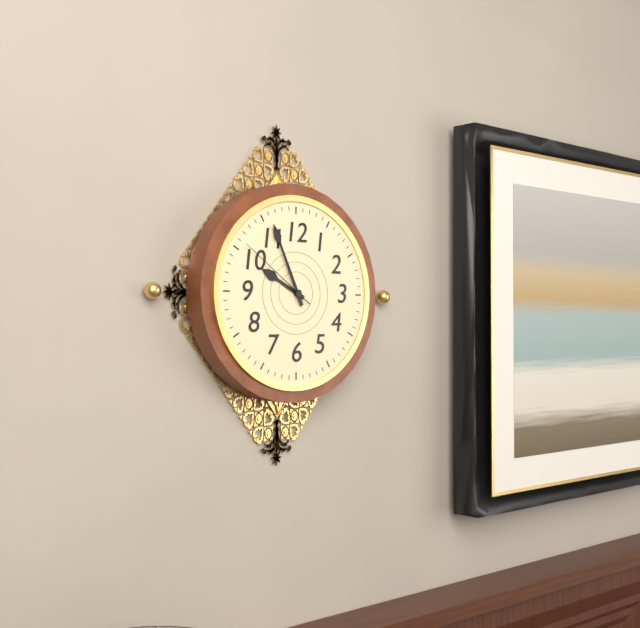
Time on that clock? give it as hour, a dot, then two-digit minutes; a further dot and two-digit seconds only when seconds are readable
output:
9.56.51
